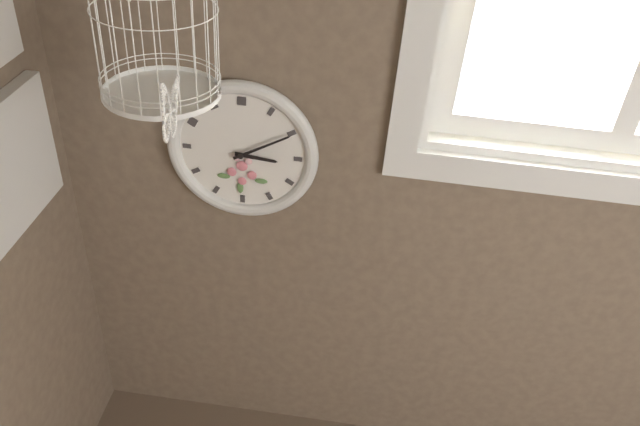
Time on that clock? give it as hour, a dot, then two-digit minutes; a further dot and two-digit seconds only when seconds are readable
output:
3.10
